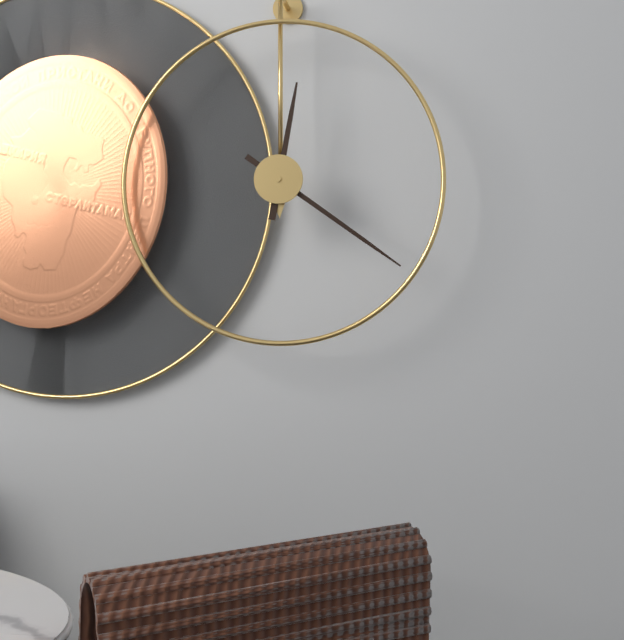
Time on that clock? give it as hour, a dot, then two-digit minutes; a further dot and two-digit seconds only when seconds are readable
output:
12.21
